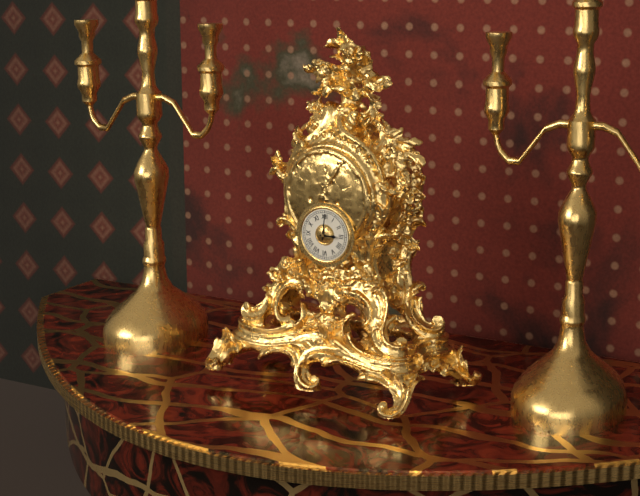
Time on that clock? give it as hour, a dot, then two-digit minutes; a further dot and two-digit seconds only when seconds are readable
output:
3.01
